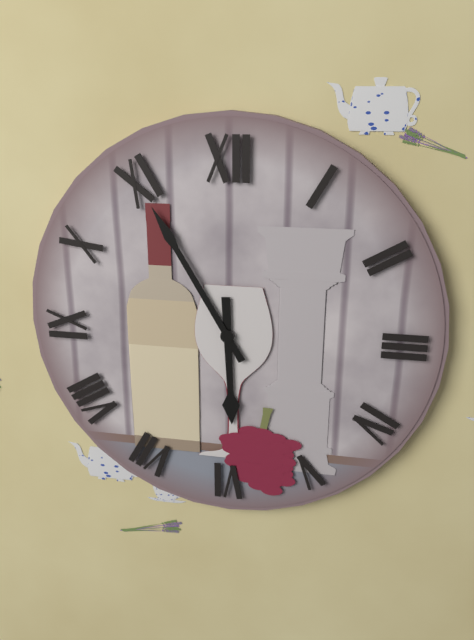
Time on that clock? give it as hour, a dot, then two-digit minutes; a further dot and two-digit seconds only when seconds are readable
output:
5.55
